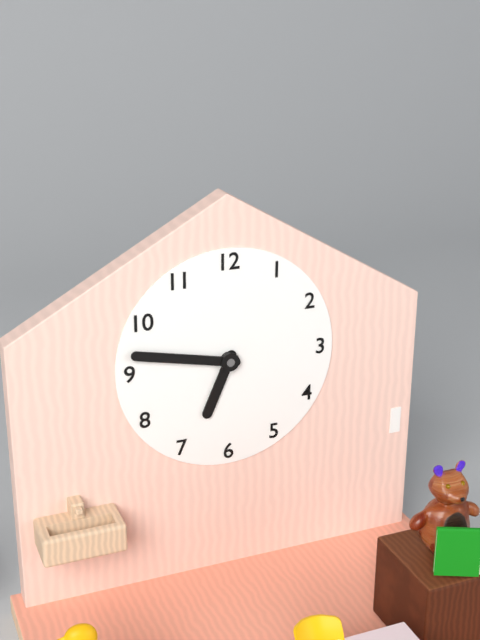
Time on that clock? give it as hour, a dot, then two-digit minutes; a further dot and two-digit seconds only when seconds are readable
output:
6.47
